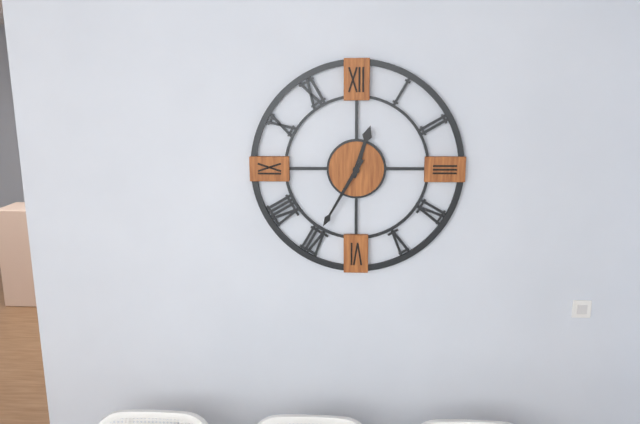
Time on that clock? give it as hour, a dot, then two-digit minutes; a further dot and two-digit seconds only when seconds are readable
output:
12.35
